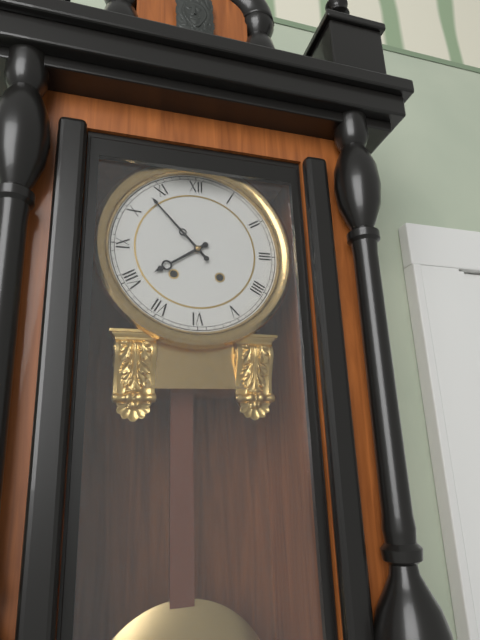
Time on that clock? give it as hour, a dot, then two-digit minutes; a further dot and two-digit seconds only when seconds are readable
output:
7.53
